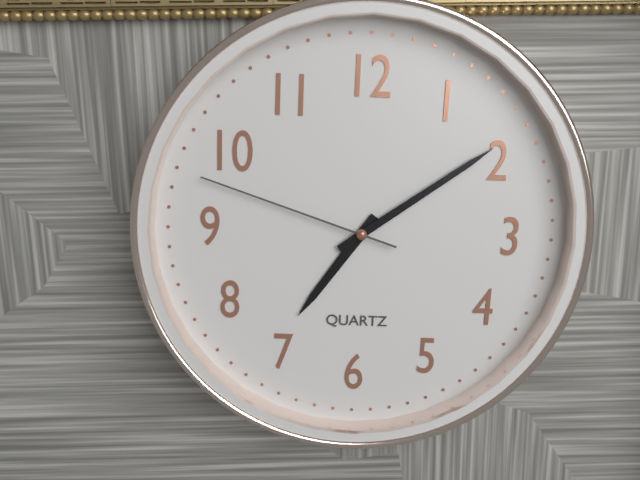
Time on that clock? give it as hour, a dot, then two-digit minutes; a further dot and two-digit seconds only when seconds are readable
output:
7.09.48
